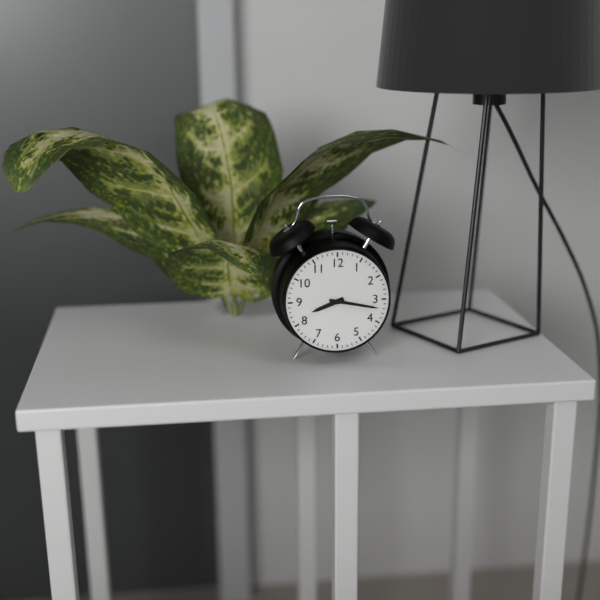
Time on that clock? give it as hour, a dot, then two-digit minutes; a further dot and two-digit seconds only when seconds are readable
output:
8.17
